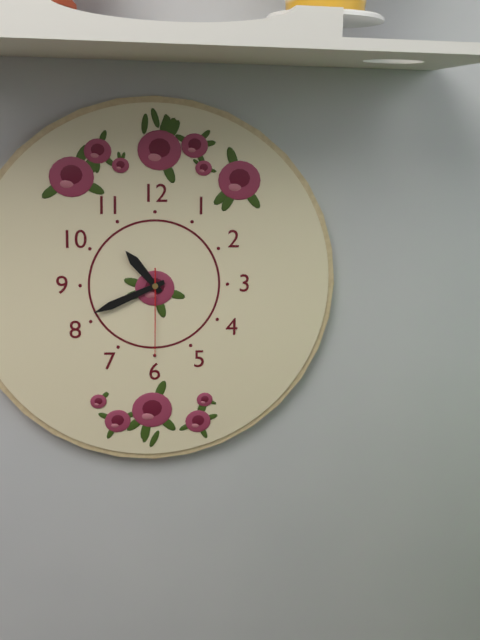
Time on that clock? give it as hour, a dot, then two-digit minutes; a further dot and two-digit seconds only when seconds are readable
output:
10.41.30
